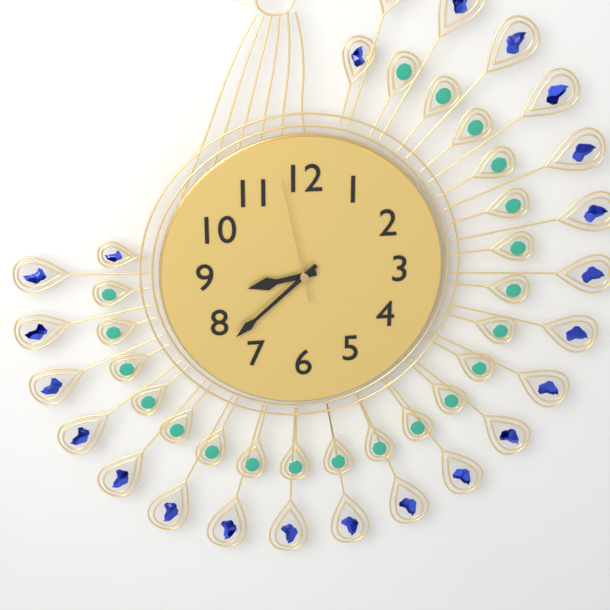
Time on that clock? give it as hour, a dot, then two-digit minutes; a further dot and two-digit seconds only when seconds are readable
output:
8.38.58
